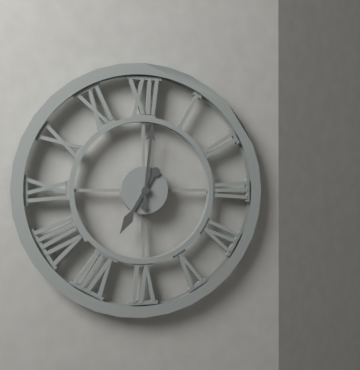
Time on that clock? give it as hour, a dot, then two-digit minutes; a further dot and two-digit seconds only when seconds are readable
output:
7.01
